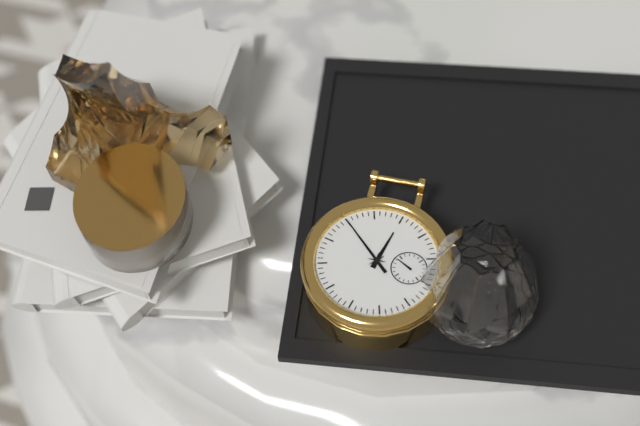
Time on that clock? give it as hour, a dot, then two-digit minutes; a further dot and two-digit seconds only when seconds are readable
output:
2.00
